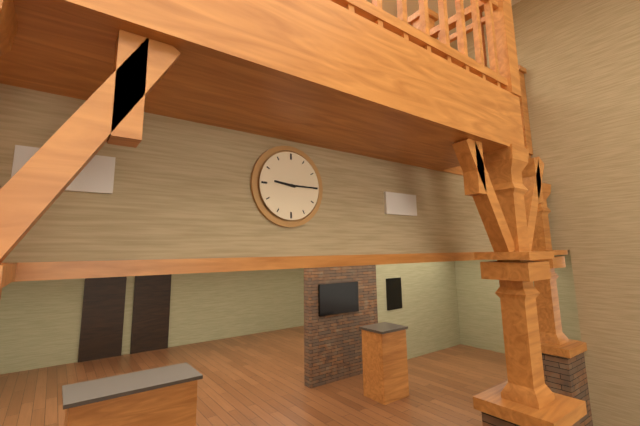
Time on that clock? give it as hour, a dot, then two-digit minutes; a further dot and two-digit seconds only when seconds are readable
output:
9.15
